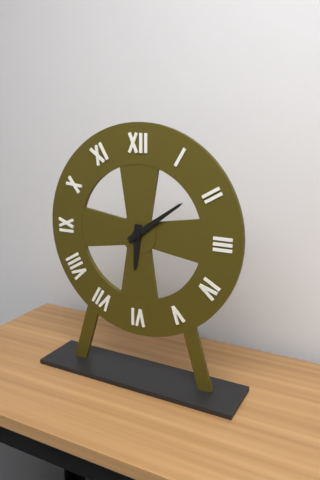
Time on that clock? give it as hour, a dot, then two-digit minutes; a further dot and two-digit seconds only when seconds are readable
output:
6.09
